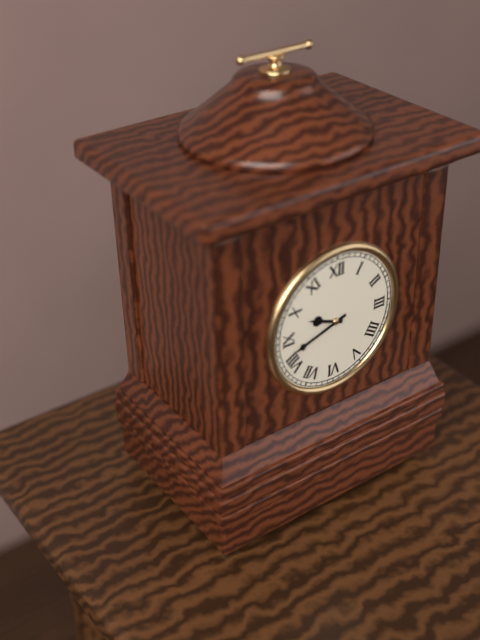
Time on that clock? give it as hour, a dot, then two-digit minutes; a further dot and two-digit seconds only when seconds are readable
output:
9.42
